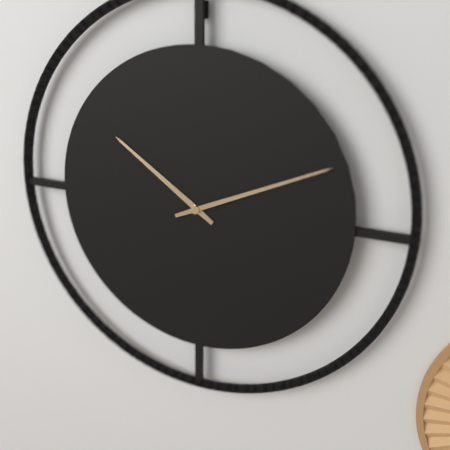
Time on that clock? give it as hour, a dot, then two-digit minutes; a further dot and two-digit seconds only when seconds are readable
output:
10.11
